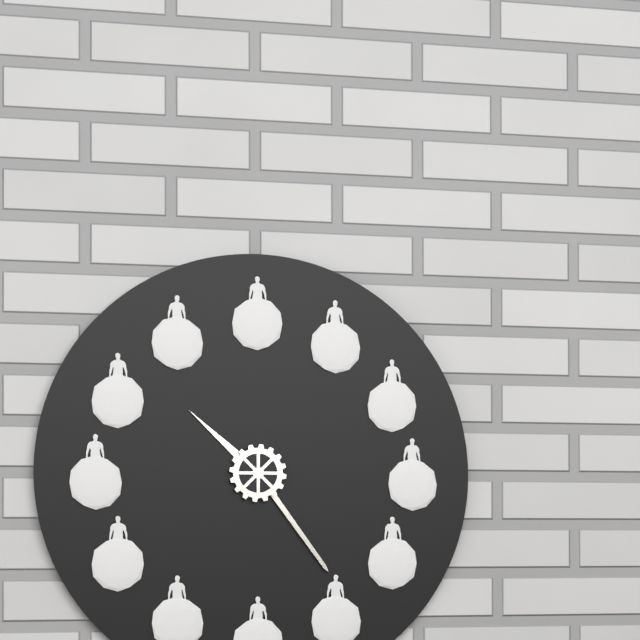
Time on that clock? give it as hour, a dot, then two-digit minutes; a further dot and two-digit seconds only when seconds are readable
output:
10.24
